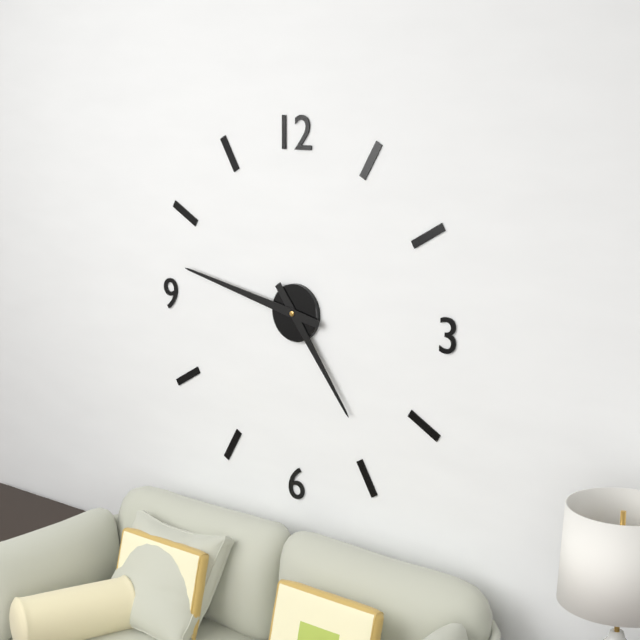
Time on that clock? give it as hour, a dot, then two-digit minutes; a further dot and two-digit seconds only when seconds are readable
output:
4.47
